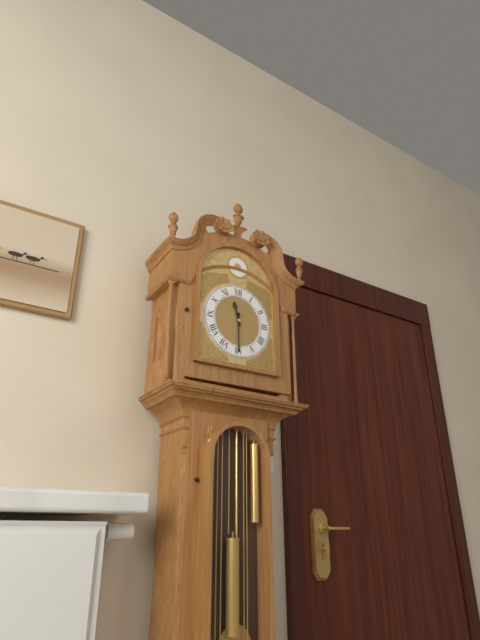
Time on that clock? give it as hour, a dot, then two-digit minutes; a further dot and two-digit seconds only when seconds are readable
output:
11.30
